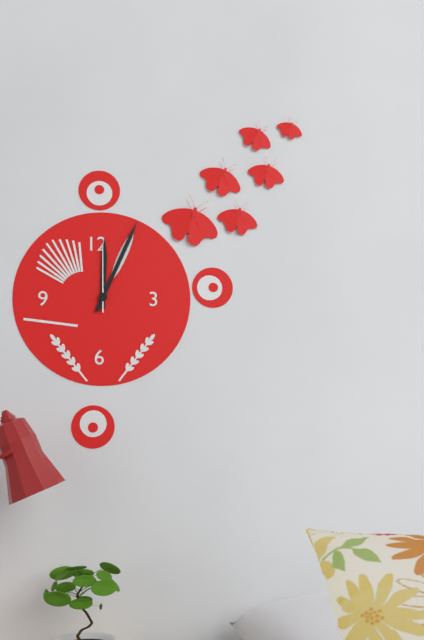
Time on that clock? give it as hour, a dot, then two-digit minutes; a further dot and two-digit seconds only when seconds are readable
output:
12.04.00
